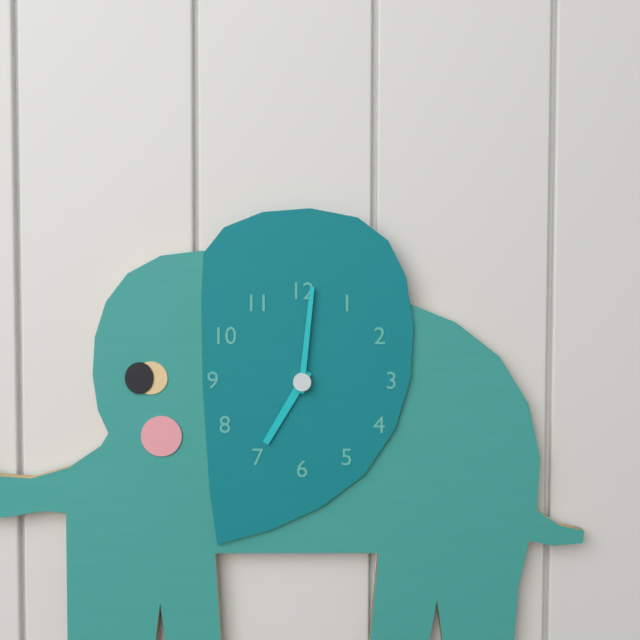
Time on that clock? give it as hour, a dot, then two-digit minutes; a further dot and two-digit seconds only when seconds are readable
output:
7.01
